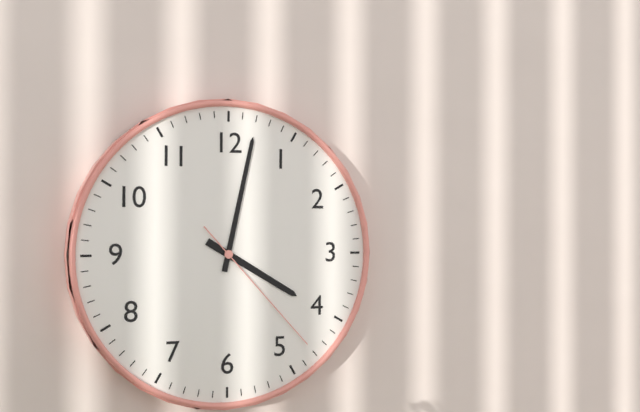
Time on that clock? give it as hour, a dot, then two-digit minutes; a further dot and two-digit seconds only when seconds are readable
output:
4.02.23
